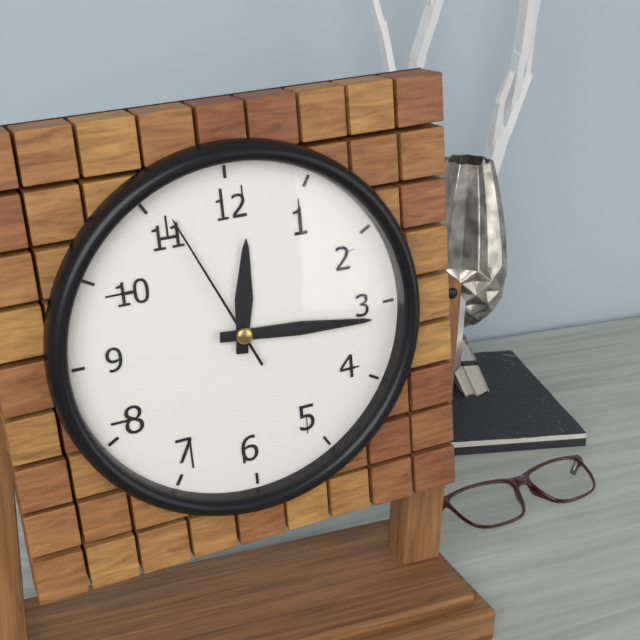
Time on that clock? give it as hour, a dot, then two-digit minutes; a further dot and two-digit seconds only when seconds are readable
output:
12.16.56
